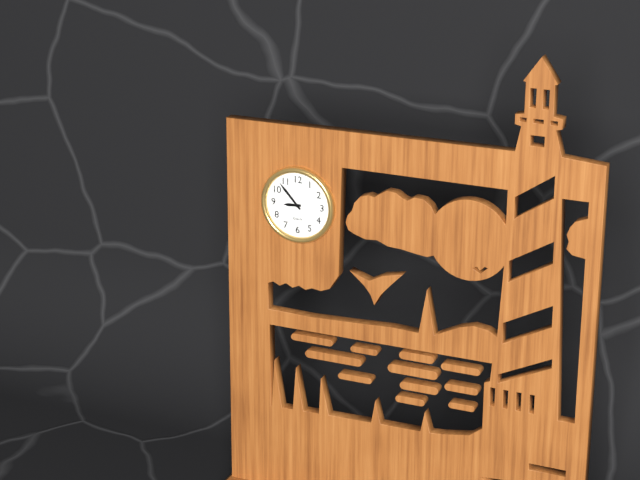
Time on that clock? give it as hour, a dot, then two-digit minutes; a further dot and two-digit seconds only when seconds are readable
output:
8.53
